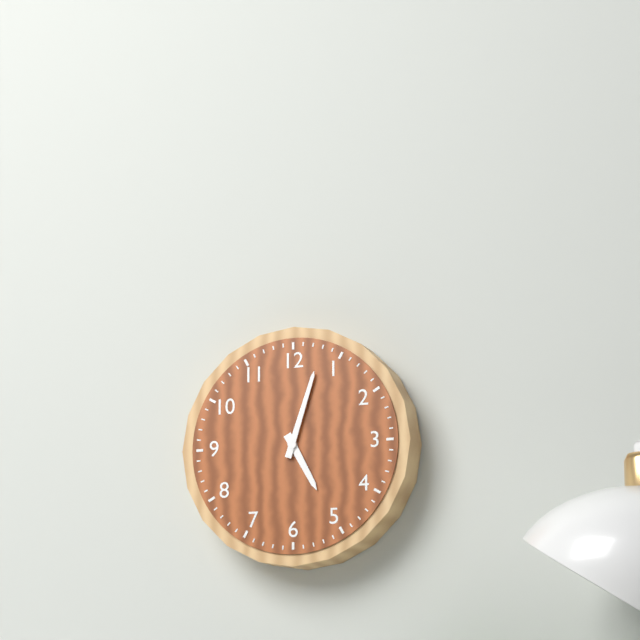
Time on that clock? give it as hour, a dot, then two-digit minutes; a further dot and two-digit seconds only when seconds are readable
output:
5.03
